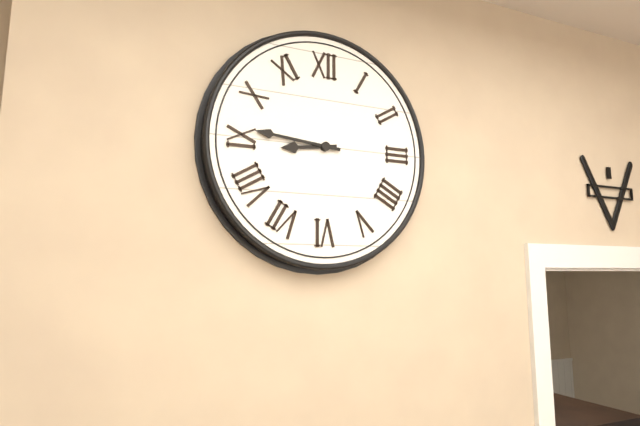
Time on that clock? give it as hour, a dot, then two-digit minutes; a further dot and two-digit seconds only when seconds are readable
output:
8.46
